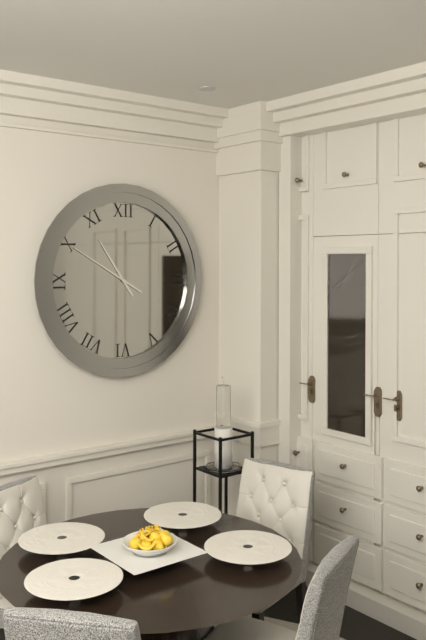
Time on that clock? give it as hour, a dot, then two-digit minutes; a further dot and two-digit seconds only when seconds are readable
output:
10.50
